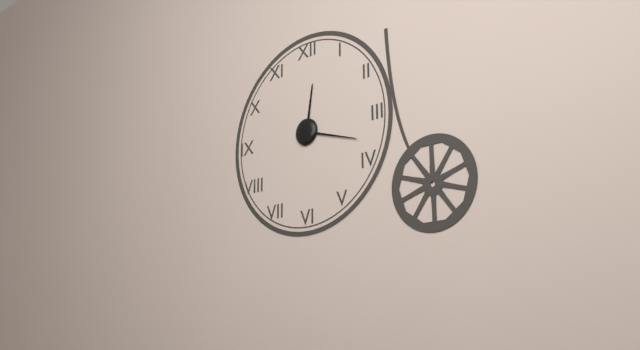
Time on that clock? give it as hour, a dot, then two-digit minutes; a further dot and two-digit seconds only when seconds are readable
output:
12.18
